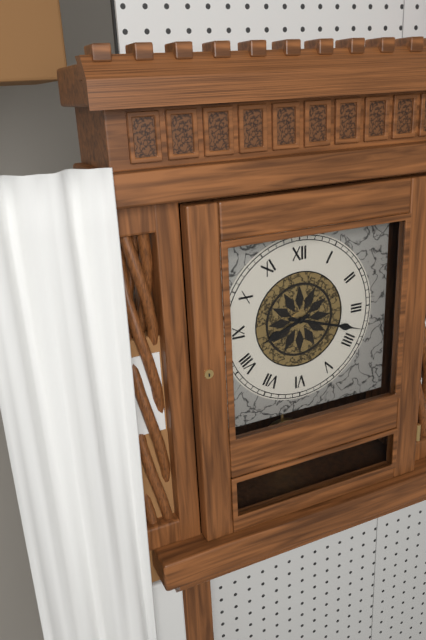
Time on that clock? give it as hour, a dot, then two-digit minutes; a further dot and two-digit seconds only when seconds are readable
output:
8.18
